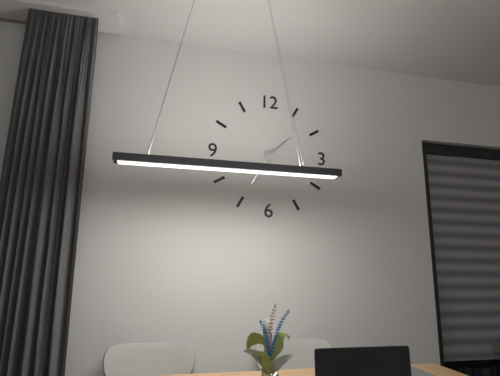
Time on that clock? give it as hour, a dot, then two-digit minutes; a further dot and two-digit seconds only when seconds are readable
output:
1.35
